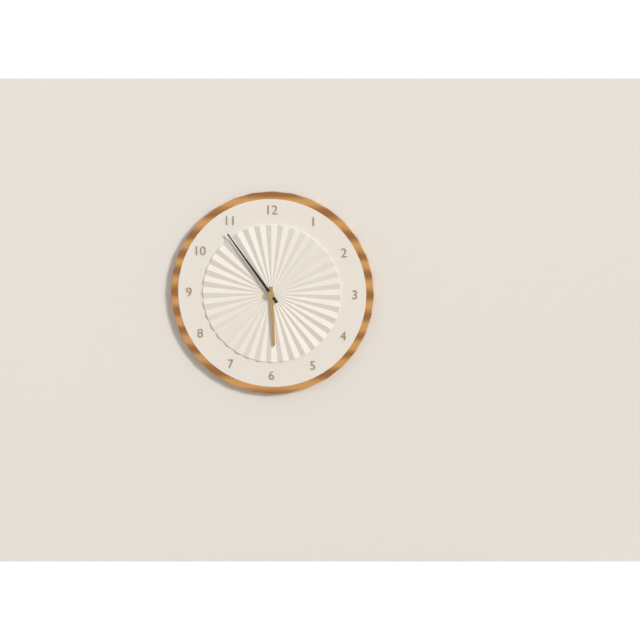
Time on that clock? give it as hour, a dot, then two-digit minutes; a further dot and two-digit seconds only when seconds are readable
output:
5.54
